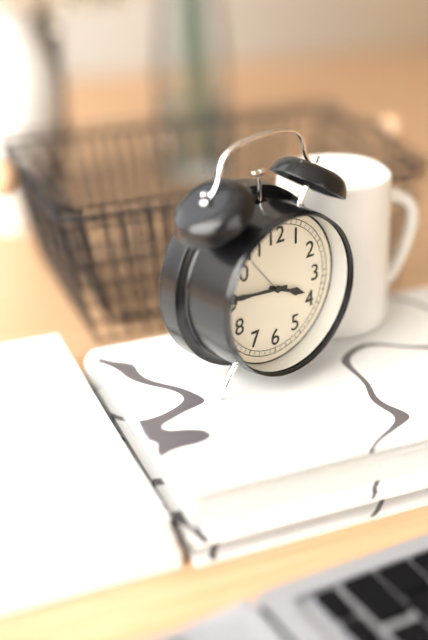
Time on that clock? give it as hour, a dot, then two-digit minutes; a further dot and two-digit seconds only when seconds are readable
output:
3.46
